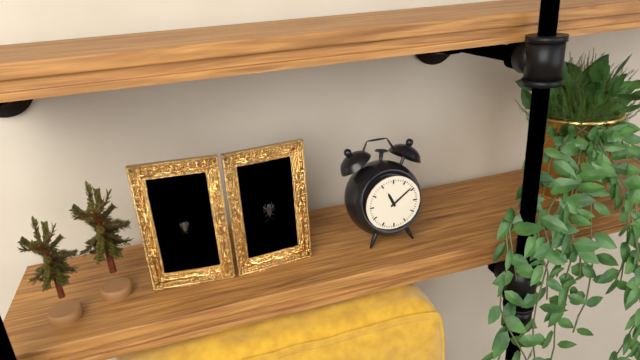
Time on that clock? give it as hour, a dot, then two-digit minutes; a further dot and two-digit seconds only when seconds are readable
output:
11.09
